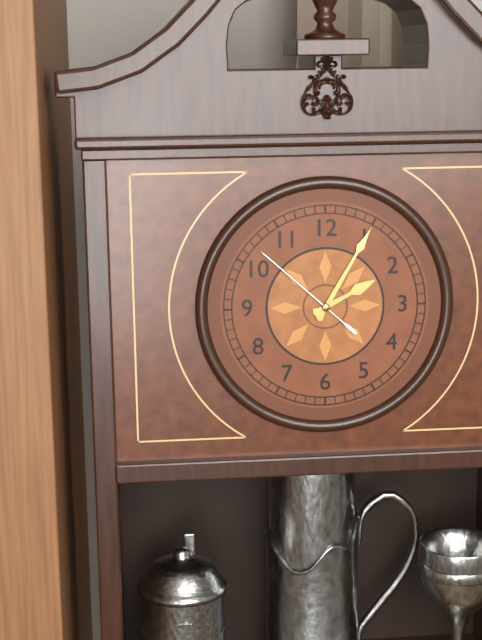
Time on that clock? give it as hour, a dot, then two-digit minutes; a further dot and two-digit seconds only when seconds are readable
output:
2.05.52
